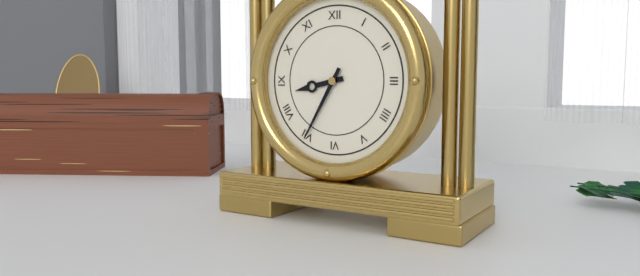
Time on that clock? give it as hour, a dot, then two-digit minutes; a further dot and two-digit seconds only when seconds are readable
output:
8.35
